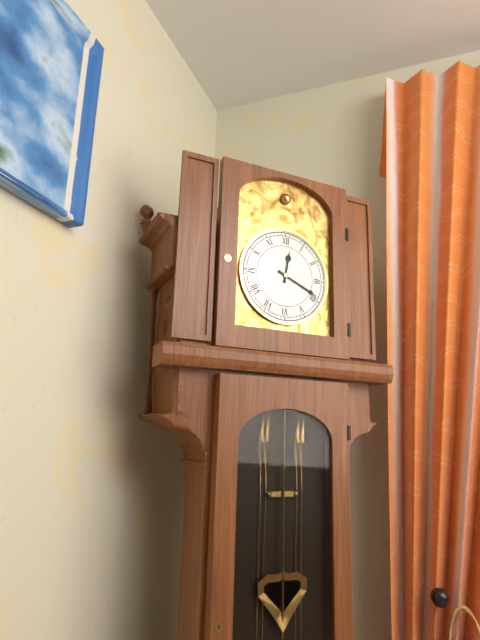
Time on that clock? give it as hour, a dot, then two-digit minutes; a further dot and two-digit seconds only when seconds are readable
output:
12.19
